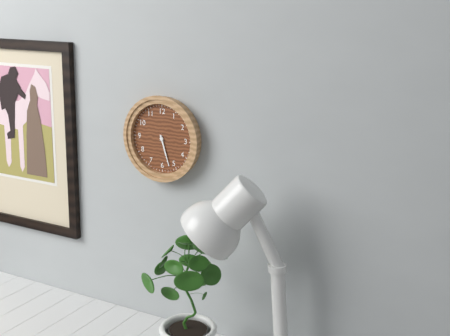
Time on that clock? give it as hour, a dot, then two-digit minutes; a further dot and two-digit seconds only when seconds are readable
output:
5.27
